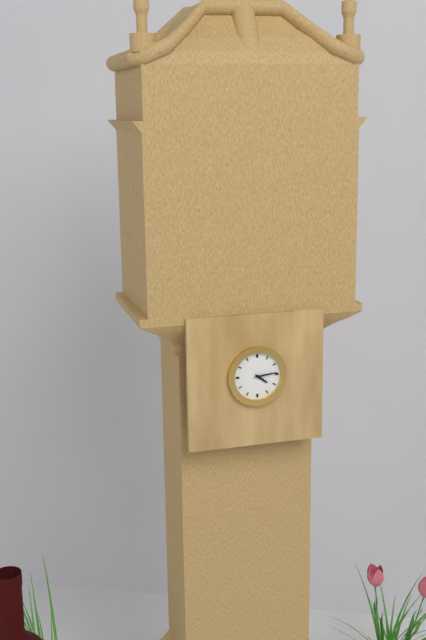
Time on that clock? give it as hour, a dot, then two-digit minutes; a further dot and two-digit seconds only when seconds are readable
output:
4.14
